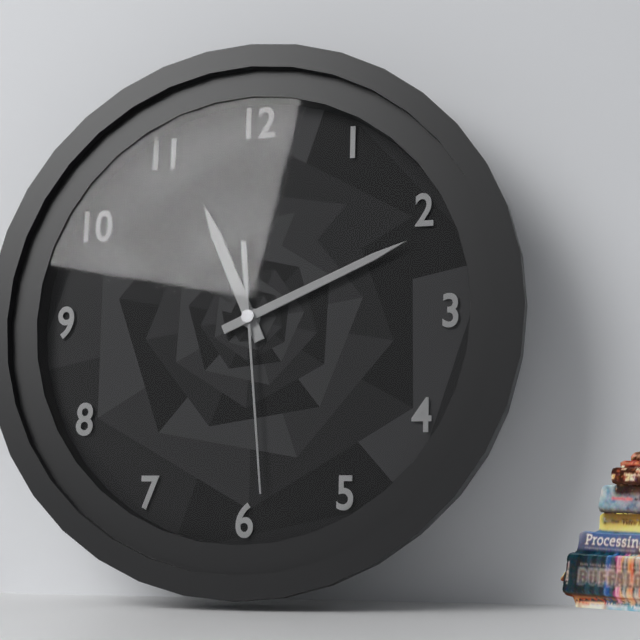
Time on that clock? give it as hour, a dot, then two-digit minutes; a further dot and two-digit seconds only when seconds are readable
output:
11.11.29
